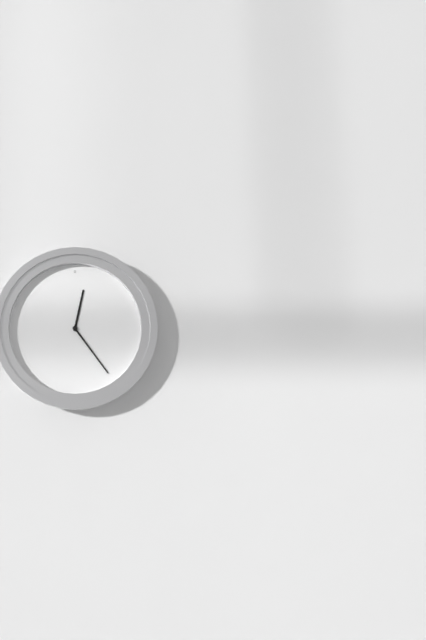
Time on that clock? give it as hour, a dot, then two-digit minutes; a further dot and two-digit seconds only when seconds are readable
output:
12.24
